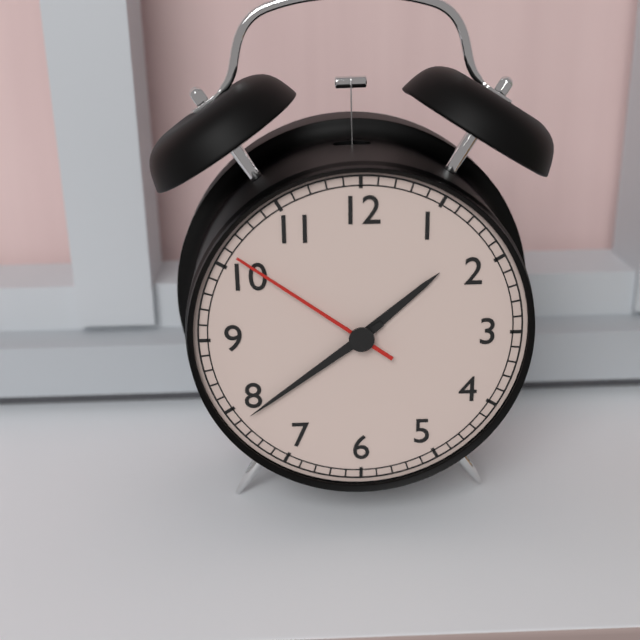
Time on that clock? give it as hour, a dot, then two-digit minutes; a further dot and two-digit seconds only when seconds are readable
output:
1.39.51
